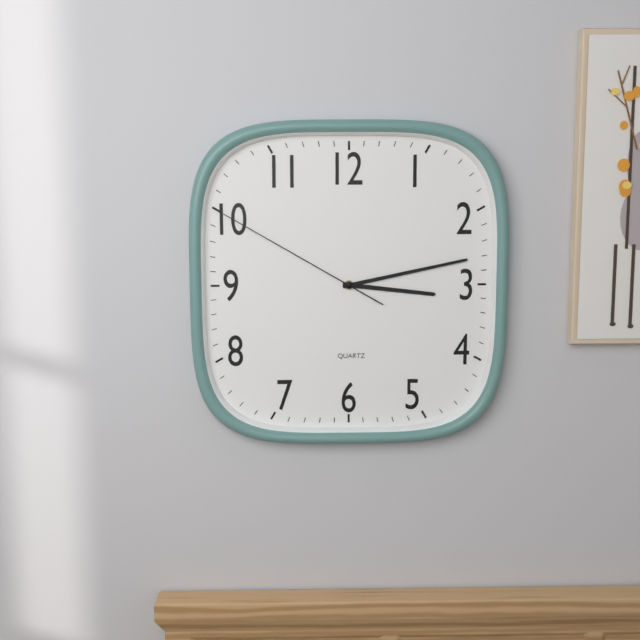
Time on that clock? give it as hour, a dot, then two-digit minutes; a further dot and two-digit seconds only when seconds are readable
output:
3.13.50
